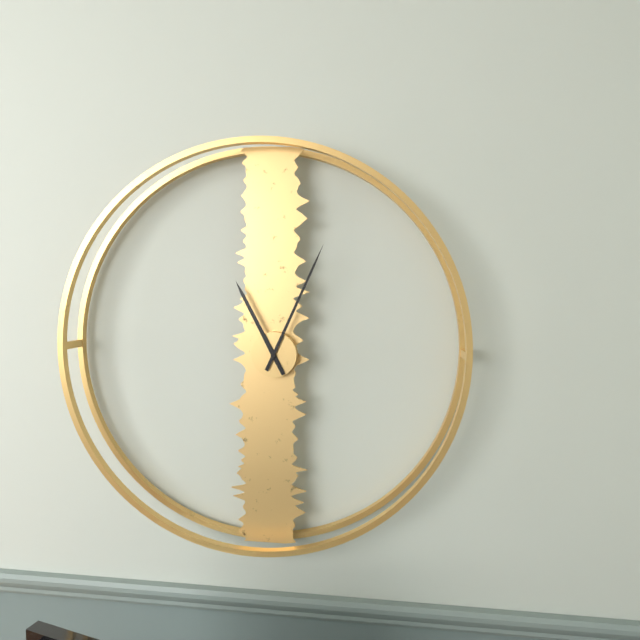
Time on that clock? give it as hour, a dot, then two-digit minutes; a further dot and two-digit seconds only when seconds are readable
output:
11.04
